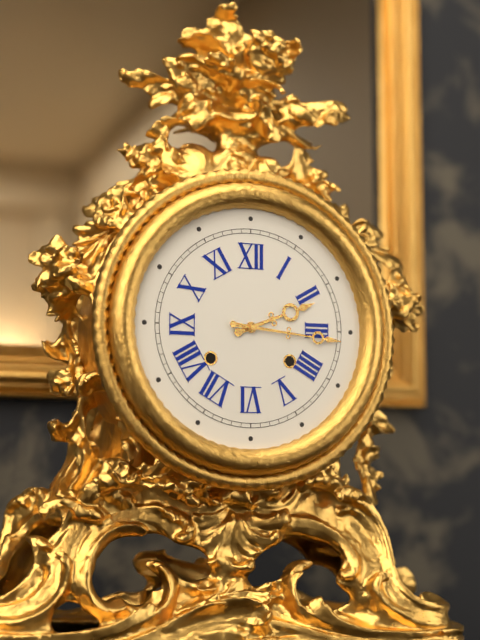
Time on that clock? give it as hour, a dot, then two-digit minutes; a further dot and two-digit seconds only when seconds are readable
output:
2.16
